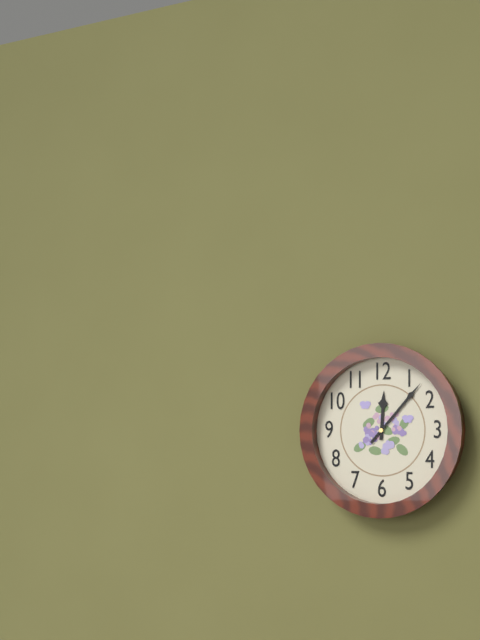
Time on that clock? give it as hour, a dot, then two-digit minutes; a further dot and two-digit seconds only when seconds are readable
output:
12.07
